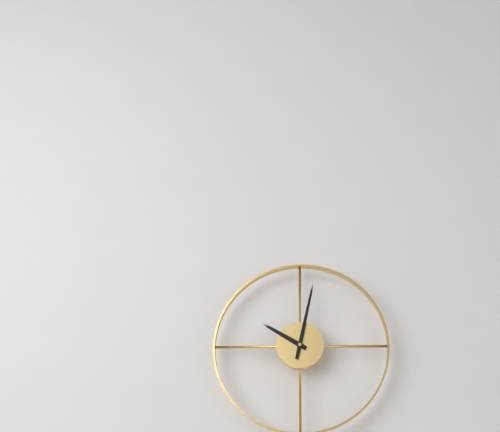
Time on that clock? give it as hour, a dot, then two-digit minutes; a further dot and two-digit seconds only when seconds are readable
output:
10.02
